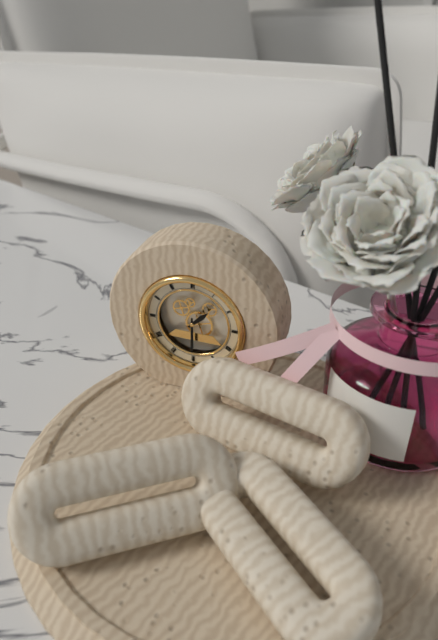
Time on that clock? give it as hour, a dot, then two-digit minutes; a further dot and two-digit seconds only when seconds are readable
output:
1.30
